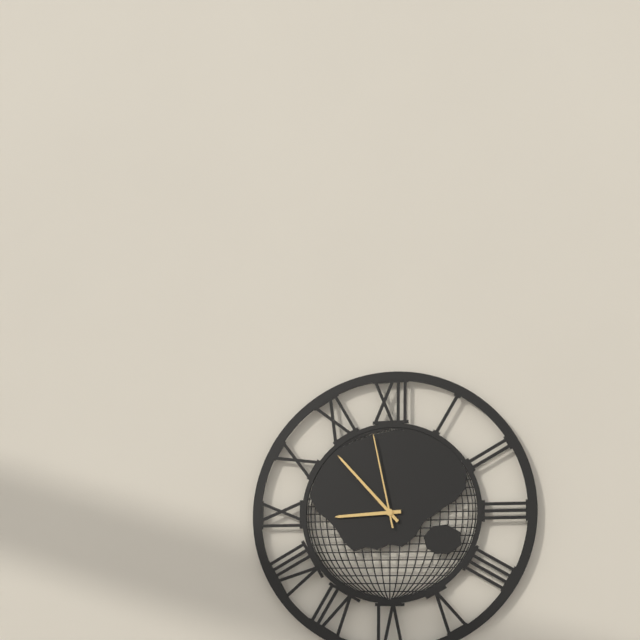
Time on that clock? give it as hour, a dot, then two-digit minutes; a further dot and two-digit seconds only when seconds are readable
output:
8.53.58
